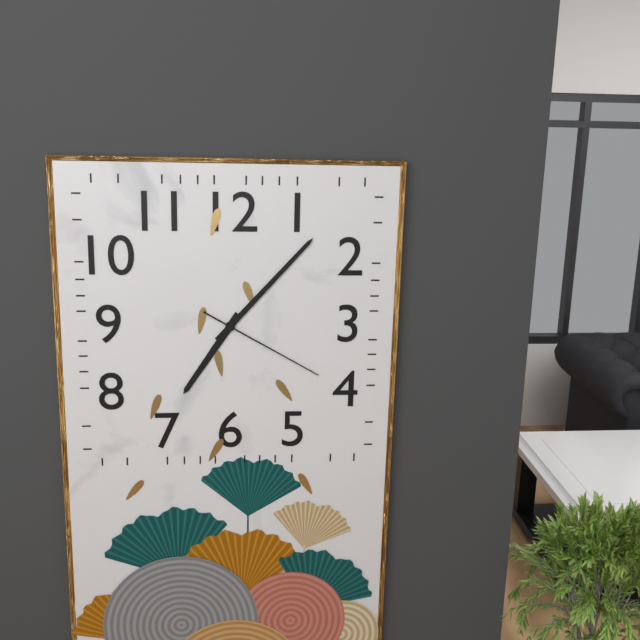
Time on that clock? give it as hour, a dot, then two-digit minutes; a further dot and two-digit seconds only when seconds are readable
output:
7.07.20
